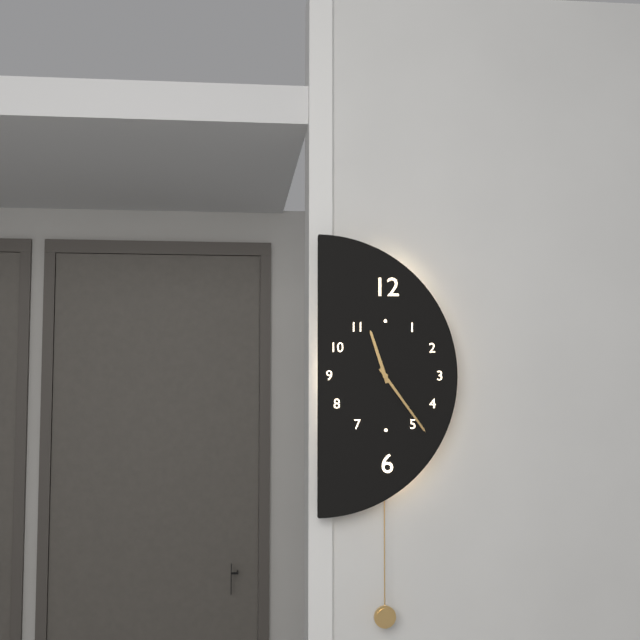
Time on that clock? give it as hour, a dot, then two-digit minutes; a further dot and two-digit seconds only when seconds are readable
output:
11.24
